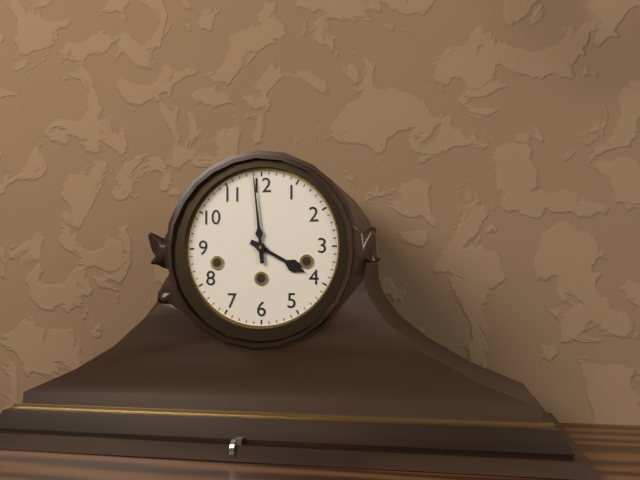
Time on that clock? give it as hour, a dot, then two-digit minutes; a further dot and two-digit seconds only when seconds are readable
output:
3.59
